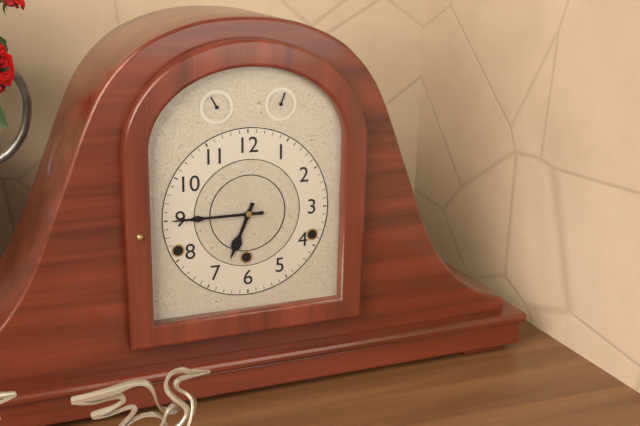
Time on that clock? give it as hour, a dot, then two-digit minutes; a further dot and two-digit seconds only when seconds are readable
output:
6.45
